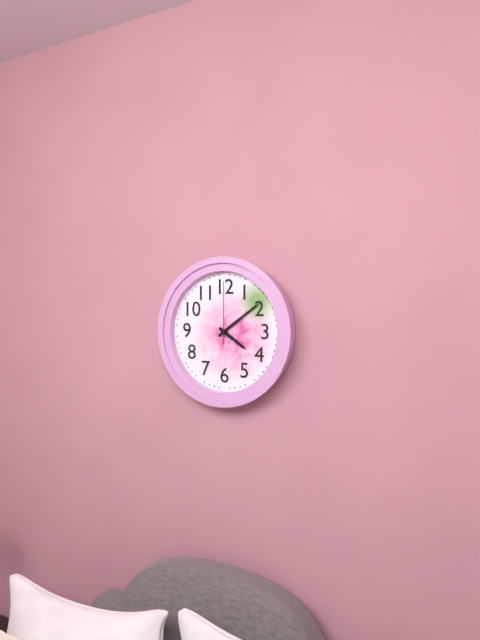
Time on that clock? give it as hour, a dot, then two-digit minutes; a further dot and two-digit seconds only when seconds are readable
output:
4.09.00
